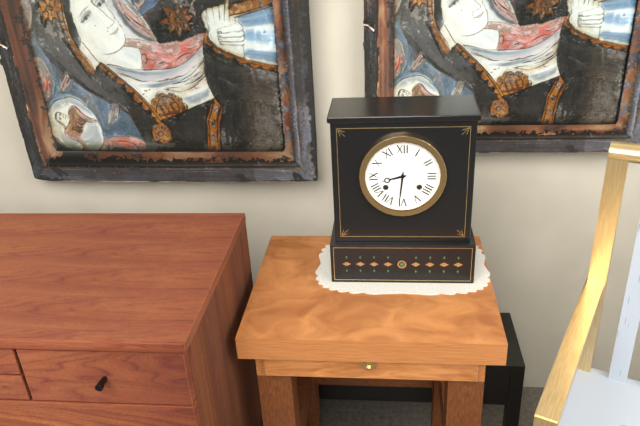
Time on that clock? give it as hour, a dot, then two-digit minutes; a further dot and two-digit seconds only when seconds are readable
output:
8.31
